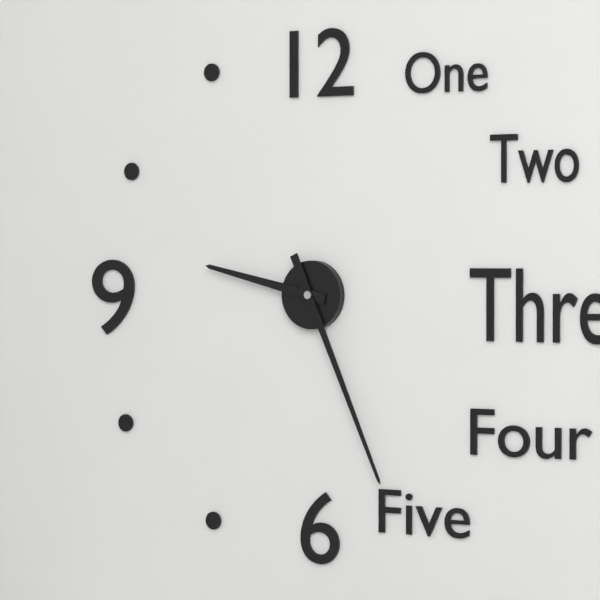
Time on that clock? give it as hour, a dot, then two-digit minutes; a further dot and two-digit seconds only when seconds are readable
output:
9.26
